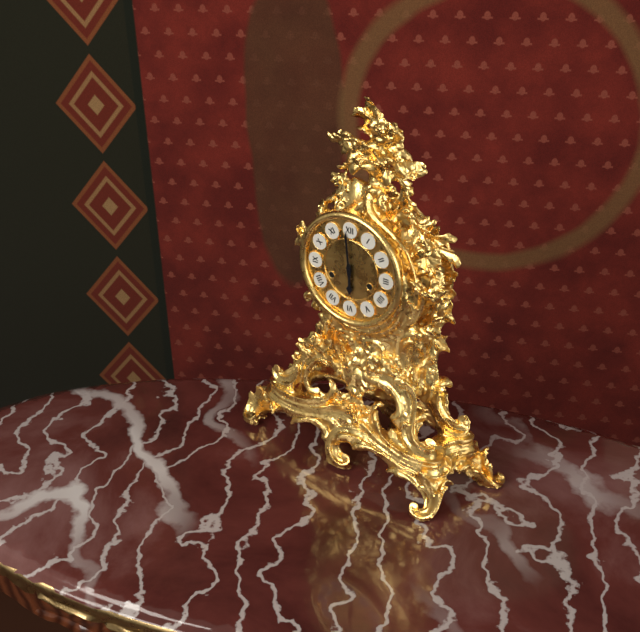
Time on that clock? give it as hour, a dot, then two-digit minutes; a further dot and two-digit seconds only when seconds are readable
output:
5.59
